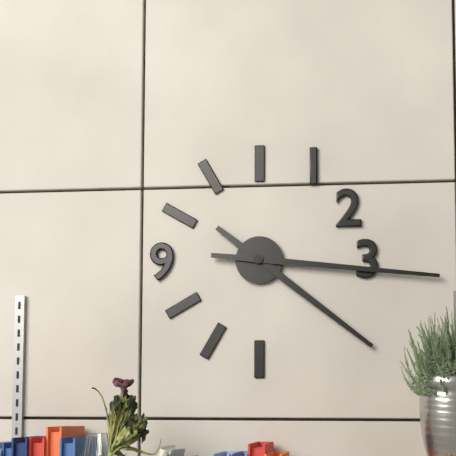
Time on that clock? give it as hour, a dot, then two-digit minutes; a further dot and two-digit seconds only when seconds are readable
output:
4.16
